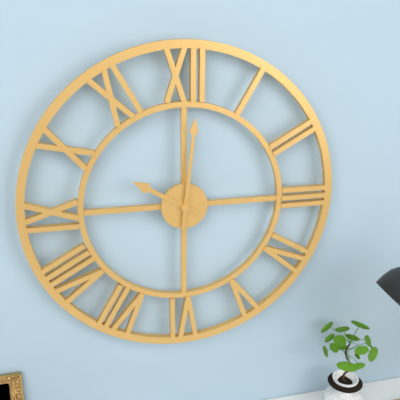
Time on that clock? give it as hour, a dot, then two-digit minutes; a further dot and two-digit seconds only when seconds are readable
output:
10.01
